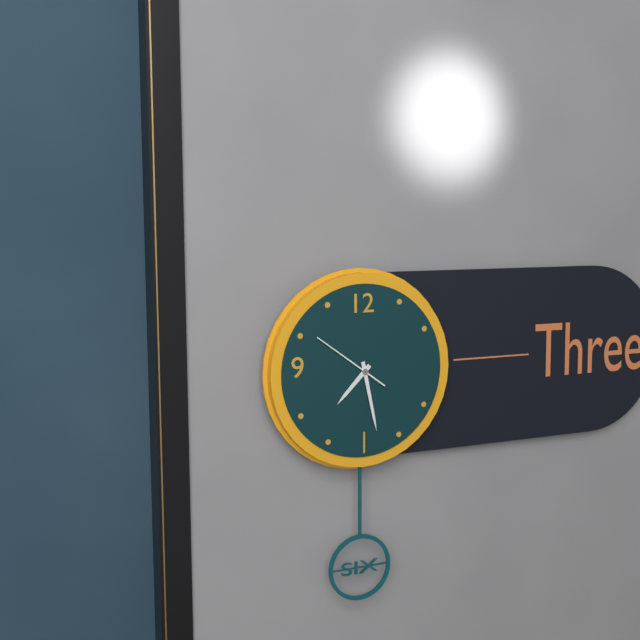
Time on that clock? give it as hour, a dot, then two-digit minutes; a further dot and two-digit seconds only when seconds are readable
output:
7.28.51
